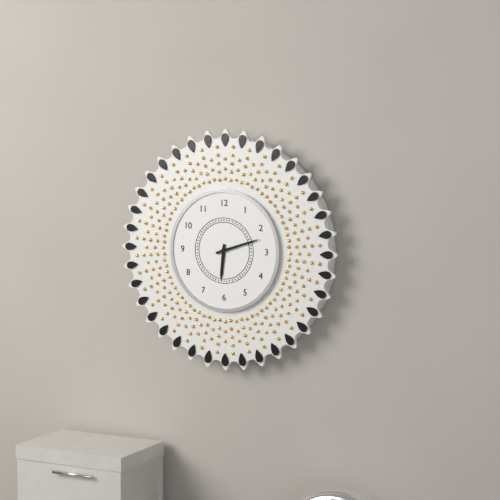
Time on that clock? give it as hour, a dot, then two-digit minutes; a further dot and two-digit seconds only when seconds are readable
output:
6.12
